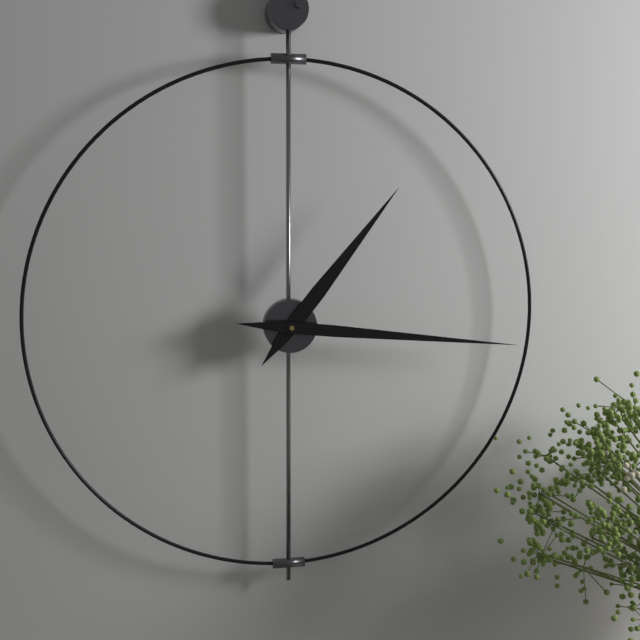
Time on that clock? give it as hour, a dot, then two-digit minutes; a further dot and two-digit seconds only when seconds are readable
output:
1.16
